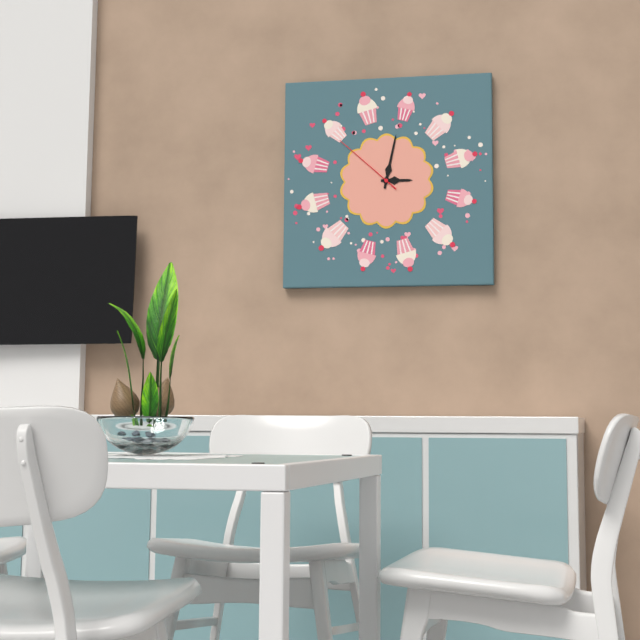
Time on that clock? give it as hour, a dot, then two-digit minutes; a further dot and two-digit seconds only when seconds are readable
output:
3.02.52
